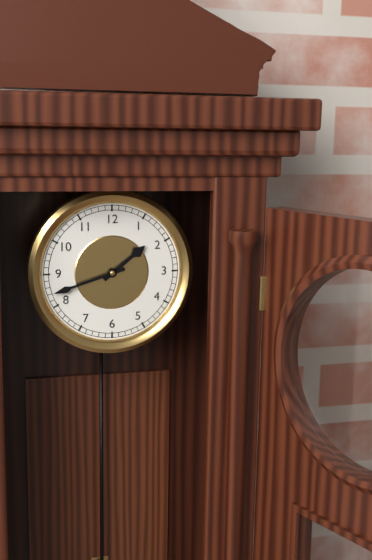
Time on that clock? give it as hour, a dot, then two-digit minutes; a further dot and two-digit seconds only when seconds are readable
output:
1.42
